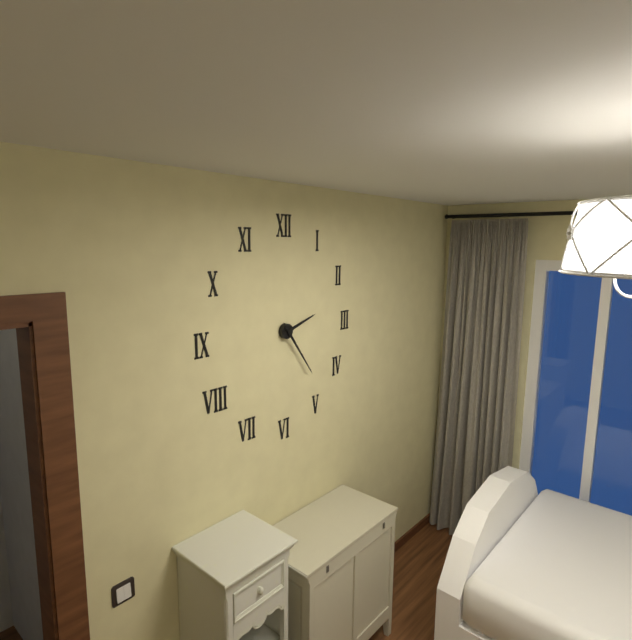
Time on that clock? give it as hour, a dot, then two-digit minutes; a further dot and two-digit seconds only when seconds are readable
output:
2.24
